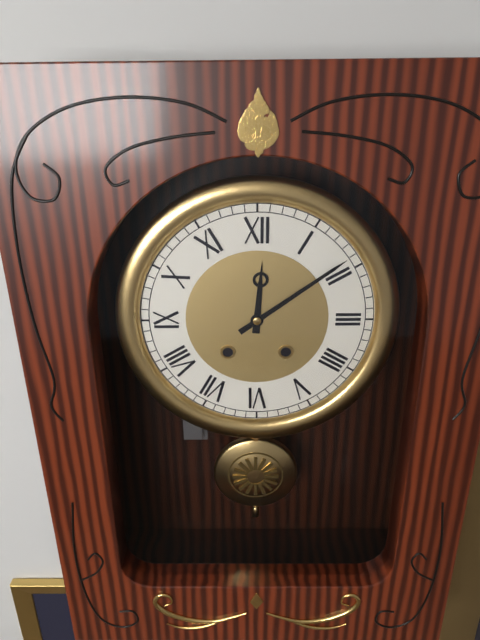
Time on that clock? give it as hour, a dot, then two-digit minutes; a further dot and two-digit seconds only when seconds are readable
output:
12.09
